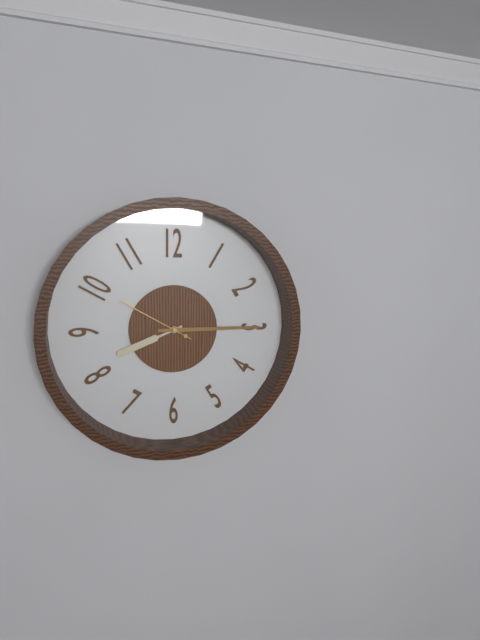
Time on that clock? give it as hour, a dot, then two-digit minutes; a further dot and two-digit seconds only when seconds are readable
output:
8.15.50
